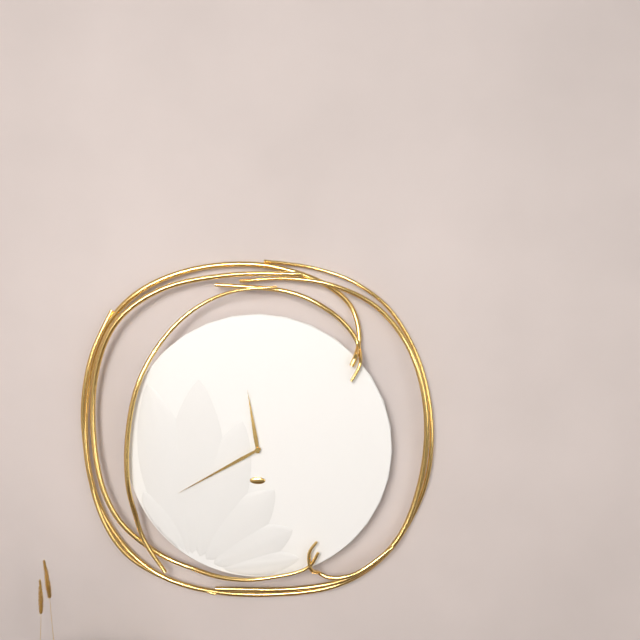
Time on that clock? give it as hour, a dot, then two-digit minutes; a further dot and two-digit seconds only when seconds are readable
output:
11.40
